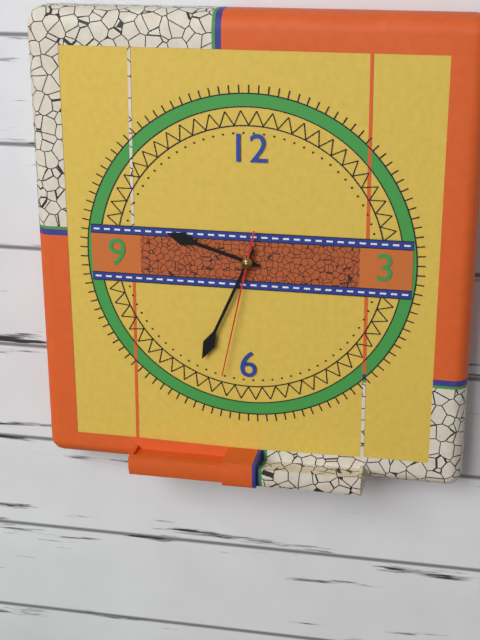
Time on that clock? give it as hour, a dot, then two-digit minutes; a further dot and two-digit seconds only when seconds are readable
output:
9.34.32
